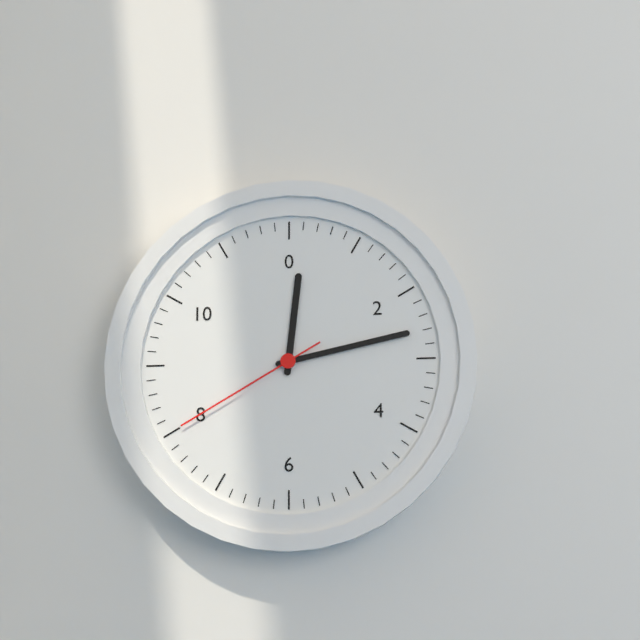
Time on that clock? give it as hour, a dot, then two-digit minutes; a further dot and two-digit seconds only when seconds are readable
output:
12.13.40
